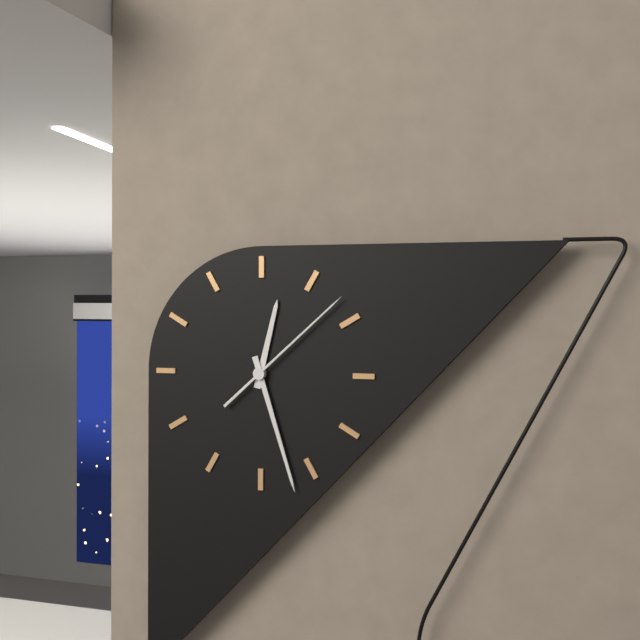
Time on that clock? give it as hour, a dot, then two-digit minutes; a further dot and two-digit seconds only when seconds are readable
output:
12.27.08
